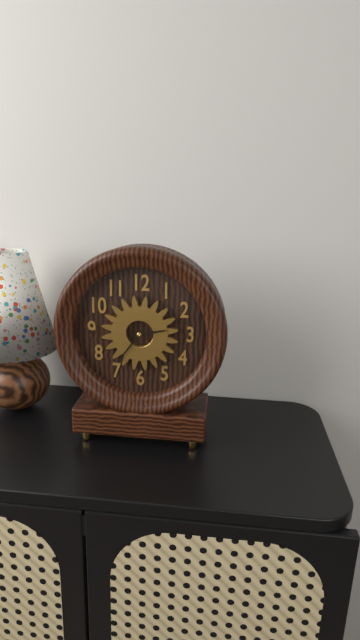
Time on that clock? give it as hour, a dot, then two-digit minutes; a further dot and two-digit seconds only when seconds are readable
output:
2.36
